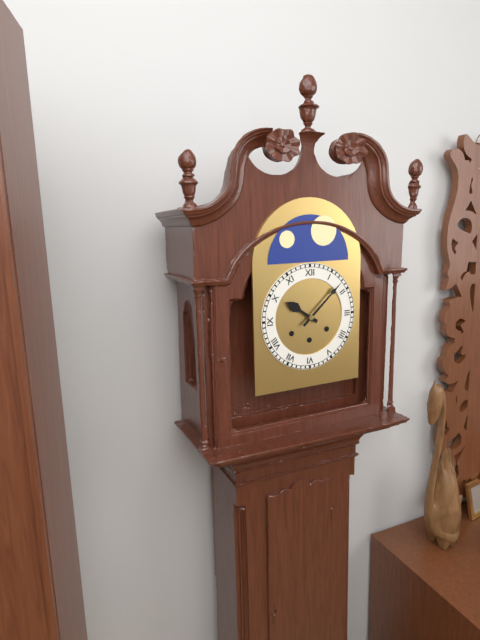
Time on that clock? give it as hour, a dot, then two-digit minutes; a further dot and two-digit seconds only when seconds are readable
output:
10.08
